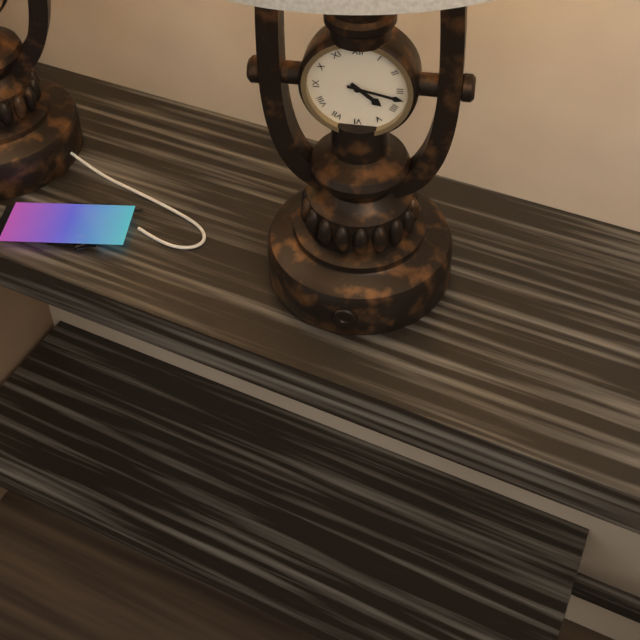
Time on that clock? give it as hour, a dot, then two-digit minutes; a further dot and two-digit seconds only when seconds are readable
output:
4.17
